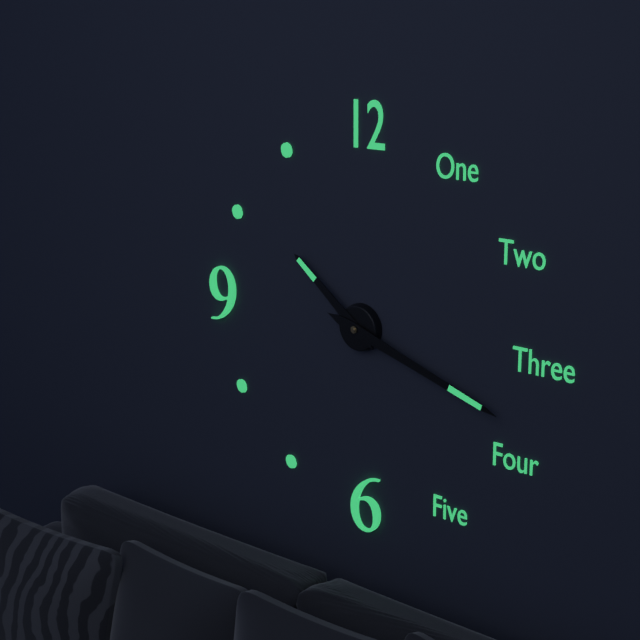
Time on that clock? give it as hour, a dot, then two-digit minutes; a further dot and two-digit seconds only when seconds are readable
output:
10.18
